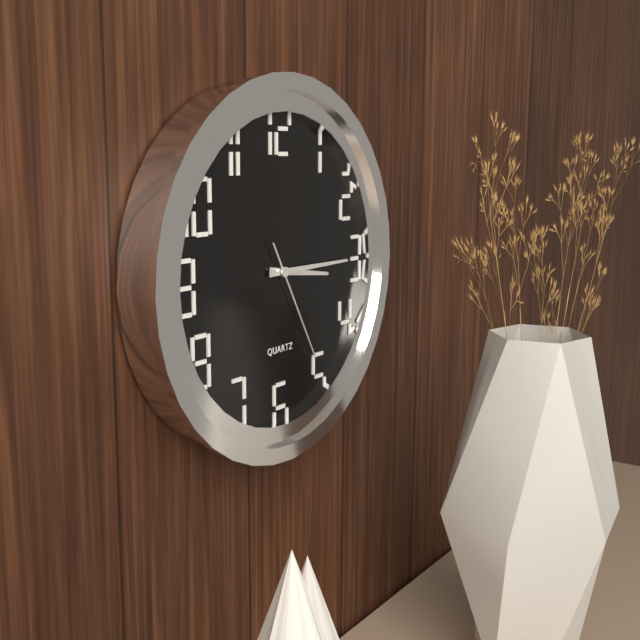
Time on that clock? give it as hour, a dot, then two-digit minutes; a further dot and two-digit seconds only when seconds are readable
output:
3.15.25
